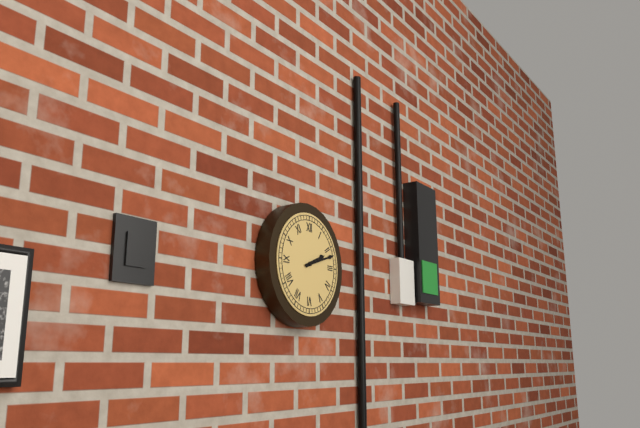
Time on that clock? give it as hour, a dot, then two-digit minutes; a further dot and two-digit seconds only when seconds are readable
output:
2.12
